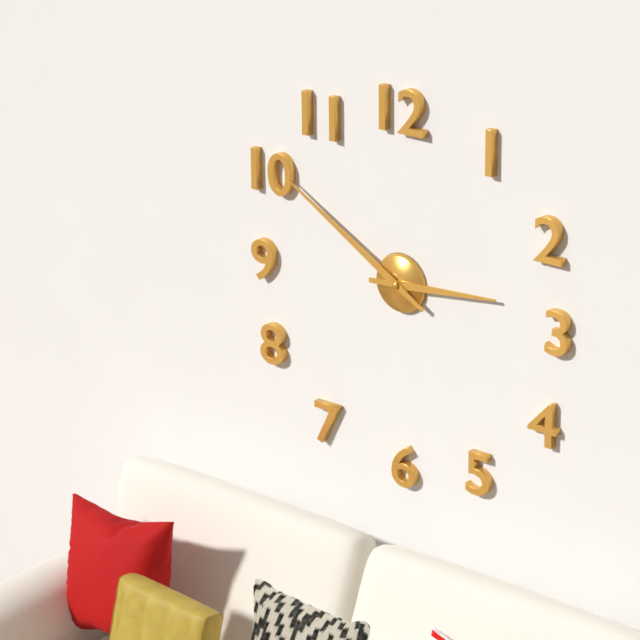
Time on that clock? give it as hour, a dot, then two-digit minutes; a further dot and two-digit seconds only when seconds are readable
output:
2.50
